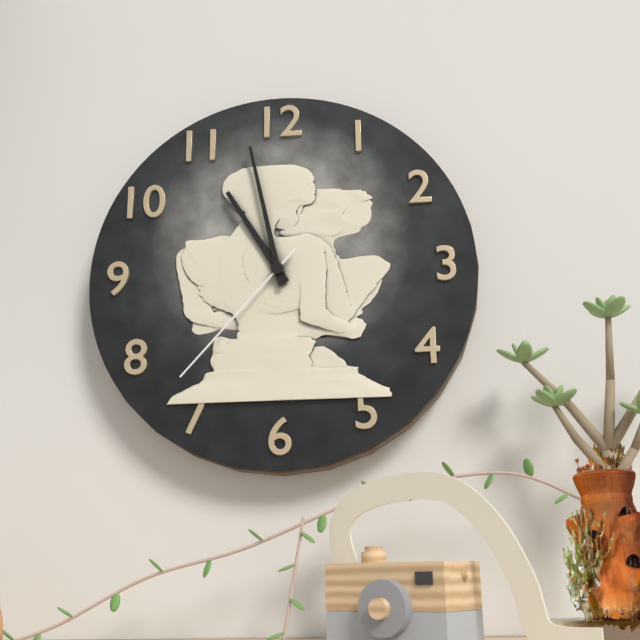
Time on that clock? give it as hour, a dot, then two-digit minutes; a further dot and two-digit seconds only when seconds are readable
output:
10.58.37
